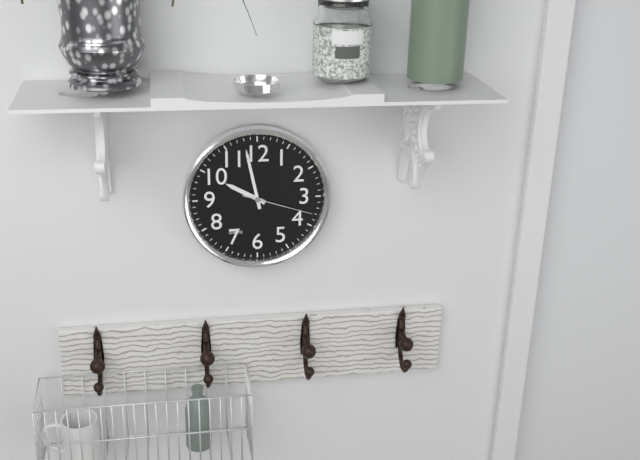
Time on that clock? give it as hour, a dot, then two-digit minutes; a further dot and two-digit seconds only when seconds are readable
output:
9.58.18
